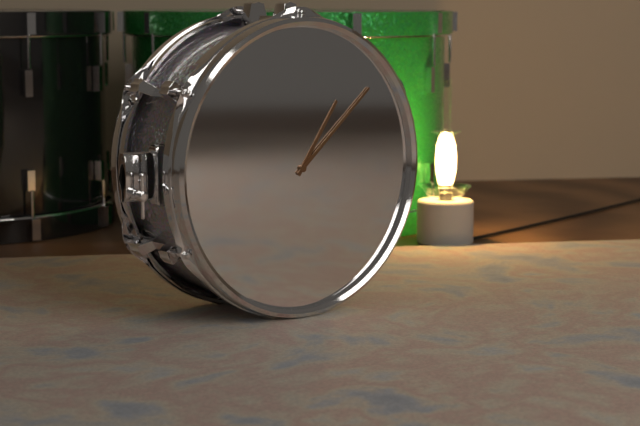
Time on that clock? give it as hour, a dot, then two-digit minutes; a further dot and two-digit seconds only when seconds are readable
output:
1.08
